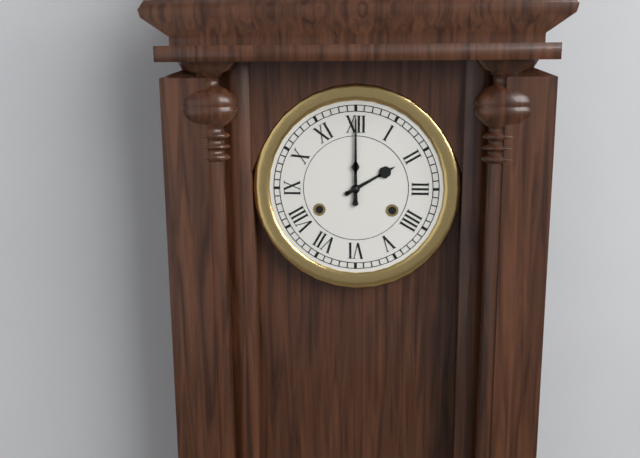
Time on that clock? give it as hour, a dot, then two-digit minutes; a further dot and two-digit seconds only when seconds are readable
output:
2.00
